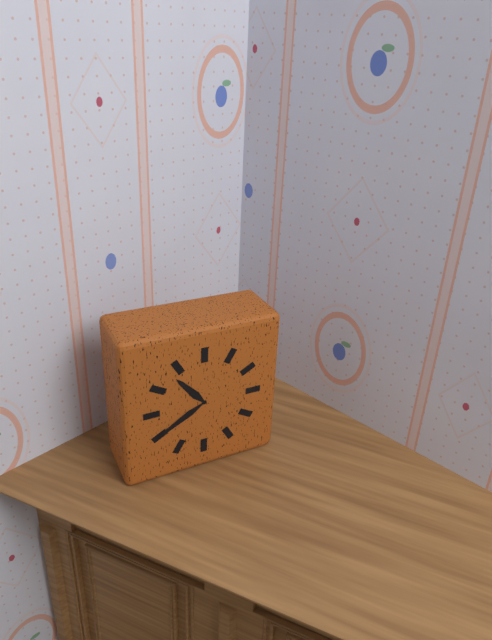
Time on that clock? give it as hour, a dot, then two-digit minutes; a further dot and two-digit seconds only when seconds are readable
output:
10.40
